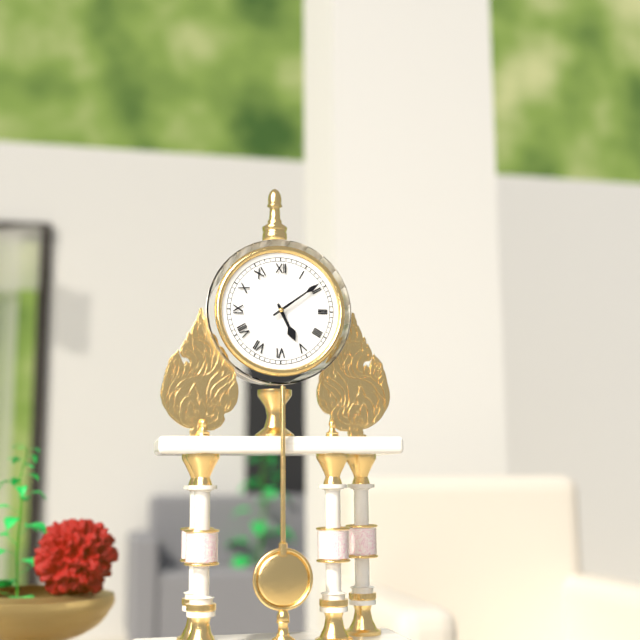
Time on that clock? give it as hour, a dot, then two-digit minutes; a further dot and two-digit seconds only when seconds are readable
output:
5.09
